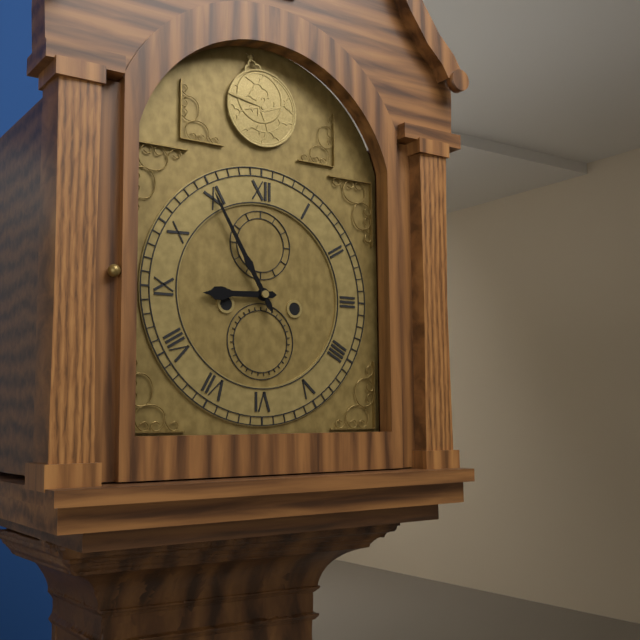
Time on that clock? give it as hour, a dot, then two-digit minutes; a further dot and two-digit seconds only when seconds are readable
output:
8.55
